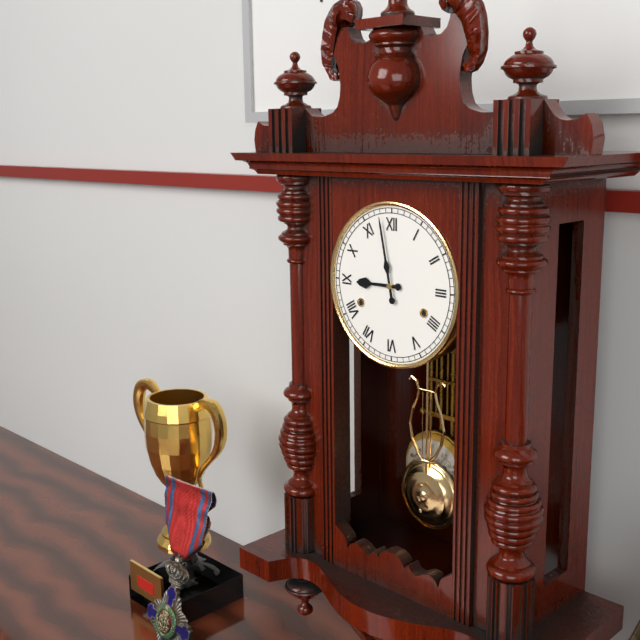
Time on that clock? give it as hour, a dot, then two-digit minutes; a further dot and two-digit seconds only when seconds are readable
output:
8.58
